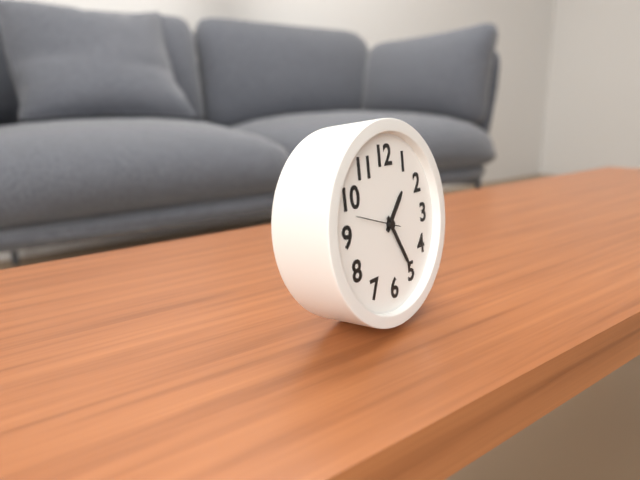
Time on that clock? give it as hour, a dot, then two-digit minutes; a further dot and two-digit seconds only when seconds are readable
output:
1.25
